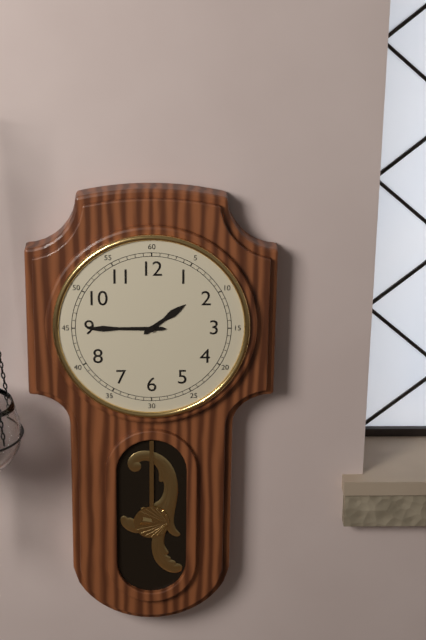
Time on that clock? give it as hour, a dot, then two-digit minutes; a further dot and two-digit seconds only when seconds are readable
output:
1.45
